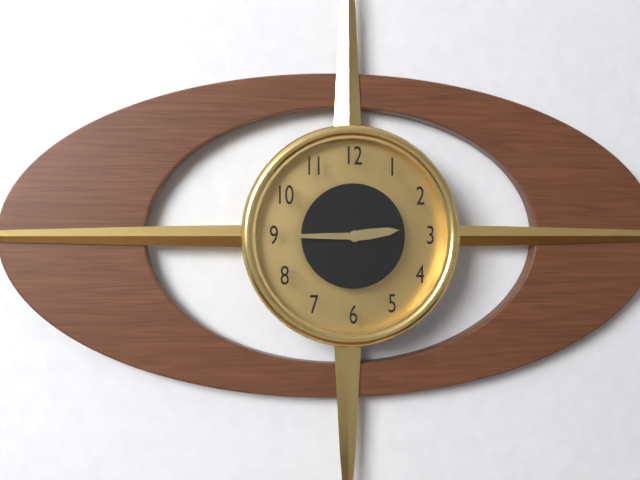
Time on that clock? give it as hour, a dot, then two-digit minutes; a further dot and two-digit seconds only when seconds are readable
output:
2.45
